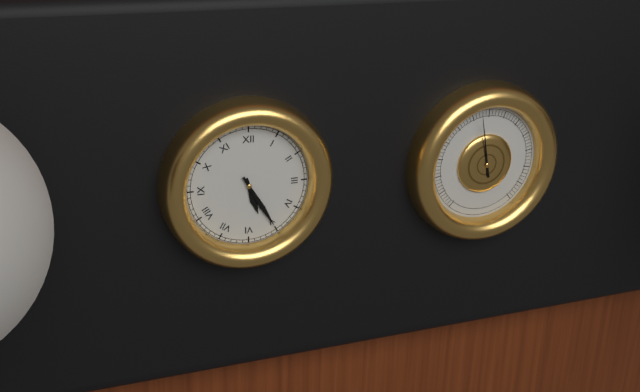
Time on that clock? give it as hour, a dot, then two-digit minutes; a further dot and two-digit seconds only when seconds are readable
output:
5.25
